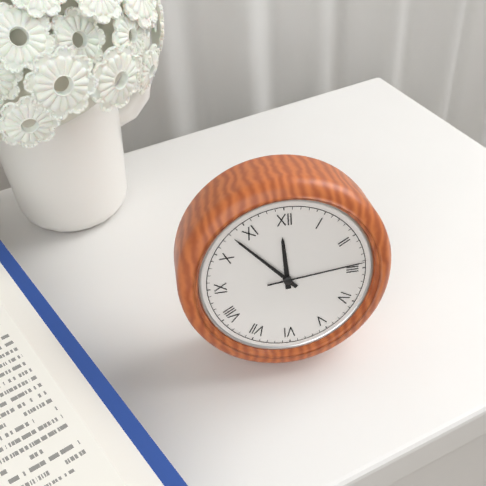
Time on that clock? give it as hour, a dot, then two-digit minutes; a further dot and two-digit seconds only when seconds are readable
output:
11.53.14
